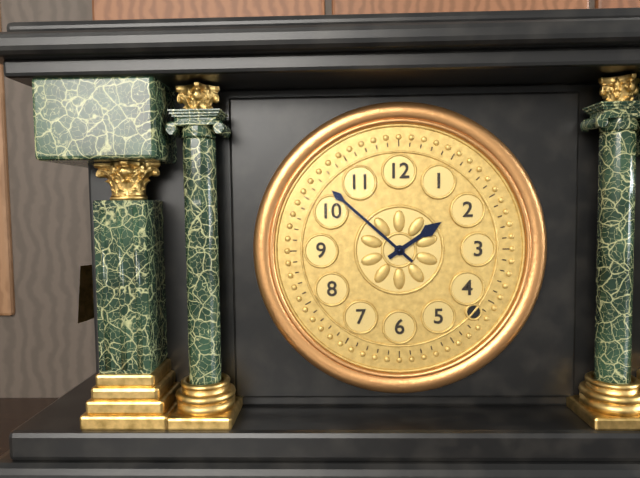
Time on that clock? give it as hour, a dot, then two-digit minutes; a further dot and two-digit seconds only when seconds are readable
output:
1.52
